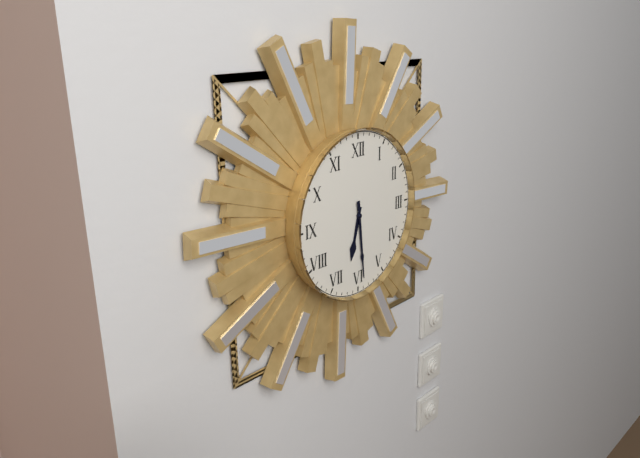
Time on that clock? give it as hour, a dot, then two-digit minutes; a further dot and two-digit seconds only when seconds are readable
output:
6.29
